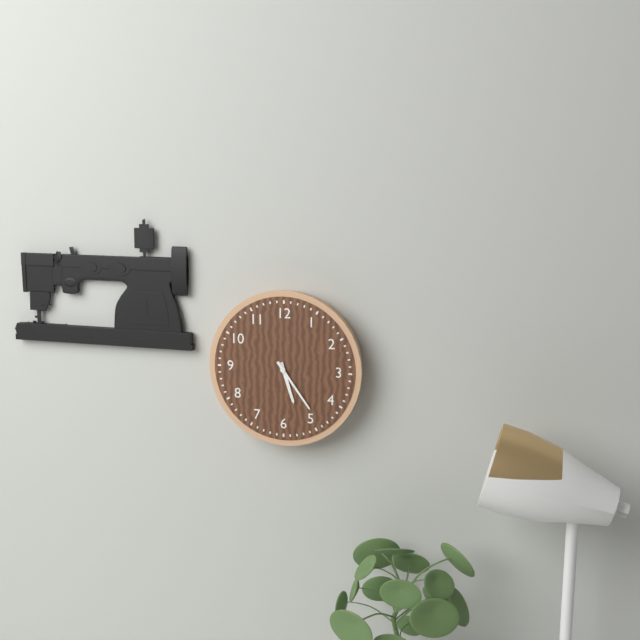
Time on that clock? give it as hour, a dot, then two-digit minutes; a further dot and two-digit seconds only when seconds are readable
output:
5.24
